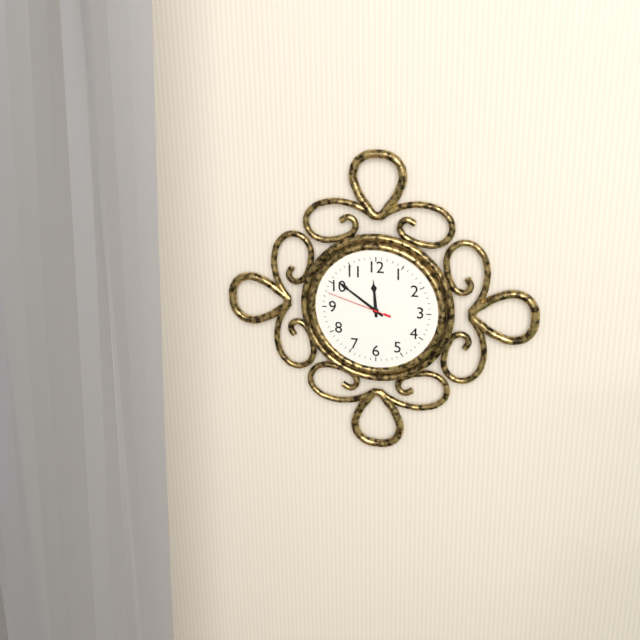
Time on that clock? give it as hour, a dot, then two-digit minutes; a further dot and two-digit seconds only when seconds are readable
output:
11.51.48
